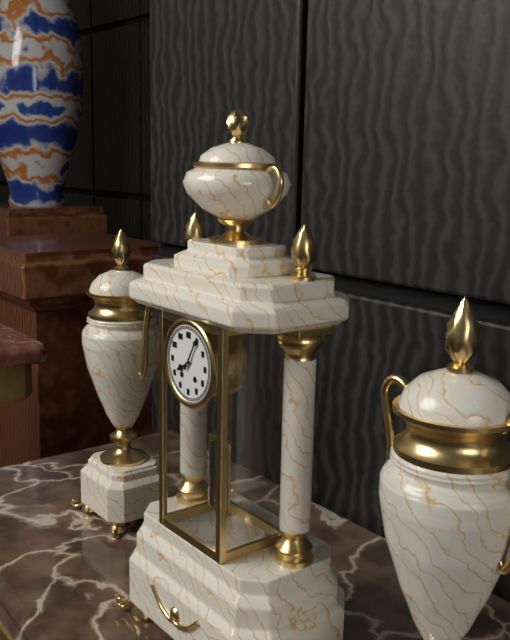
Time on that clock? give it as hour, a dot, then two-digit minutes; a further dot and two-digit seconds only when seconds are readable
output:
8.05
